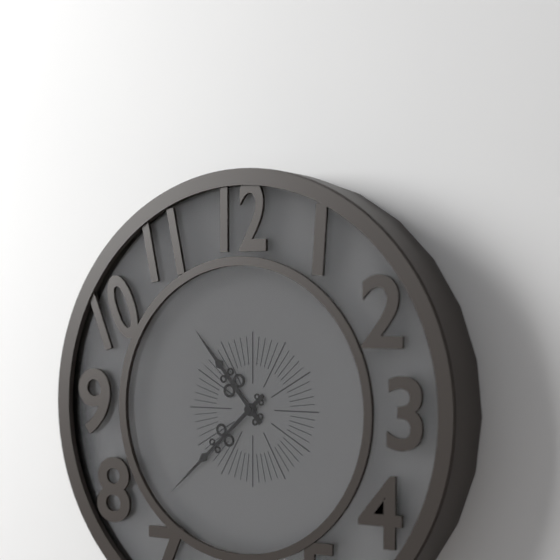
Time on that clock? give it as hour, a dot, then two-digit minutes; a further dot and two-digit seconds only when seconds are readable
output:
10.38
